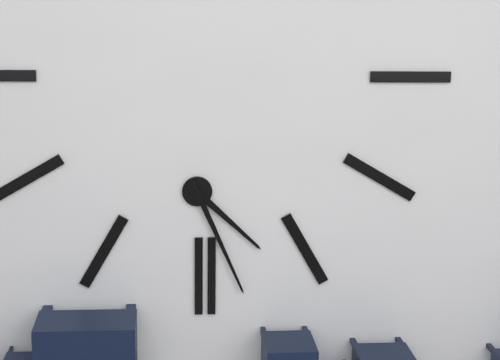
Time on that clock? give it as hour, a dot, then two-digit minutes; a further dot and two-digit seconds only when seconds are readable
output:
4.26
